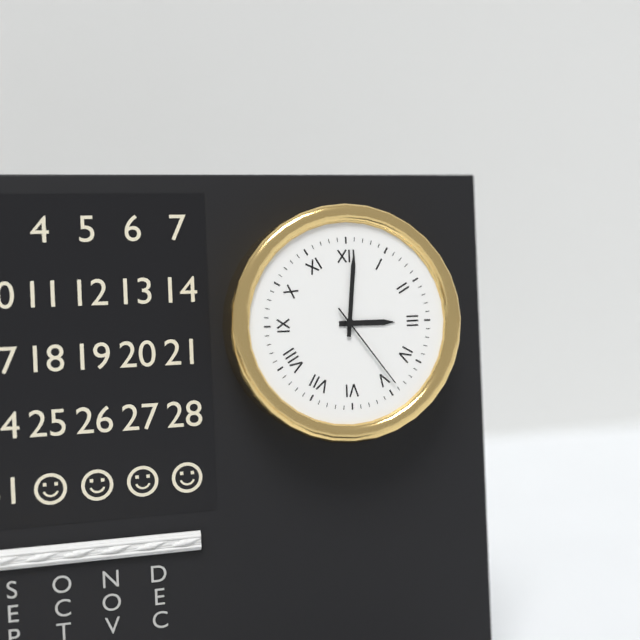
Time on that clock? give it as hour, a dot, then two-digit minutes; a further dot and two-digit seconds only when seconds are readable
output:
3.01.24
